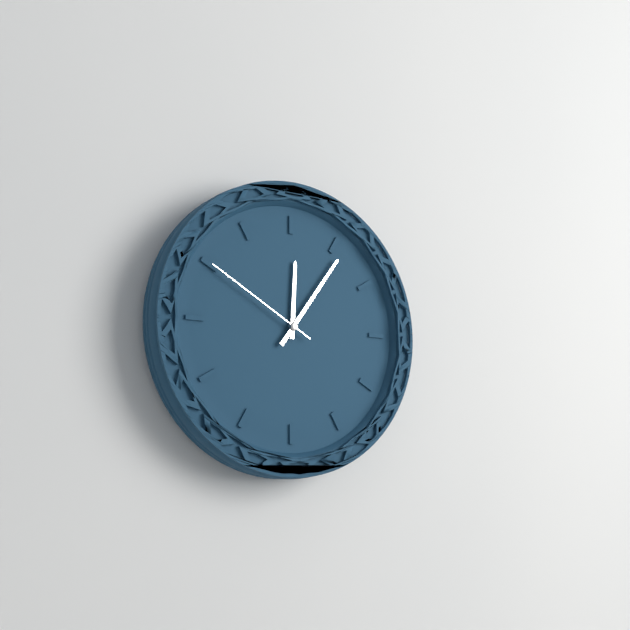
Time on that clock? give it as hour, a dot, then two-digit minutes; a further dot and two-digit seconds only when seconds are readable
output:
12.06.50
